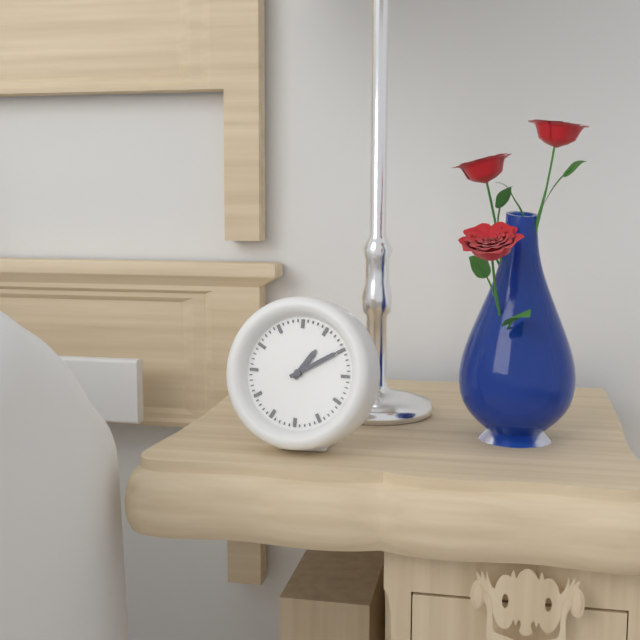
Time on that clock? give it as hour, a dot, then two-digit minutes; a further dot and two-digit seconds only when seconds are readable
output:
1.10
